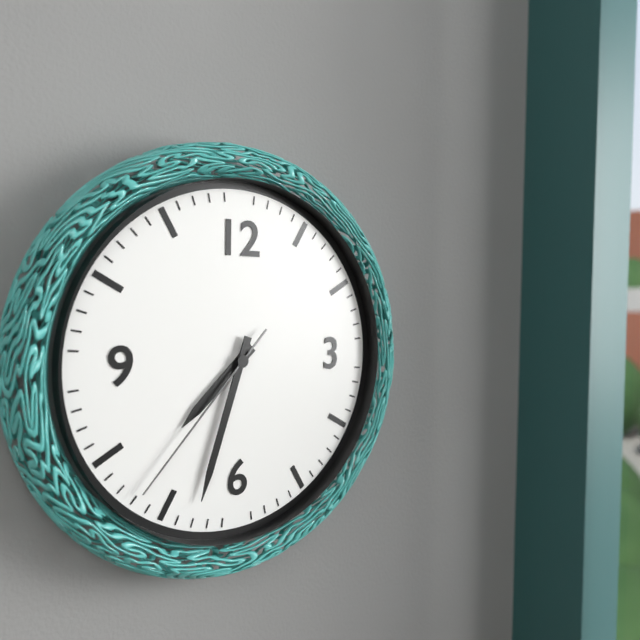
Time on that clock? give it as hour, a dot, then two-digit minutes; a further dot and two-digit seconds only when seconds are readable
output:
7.33.37
